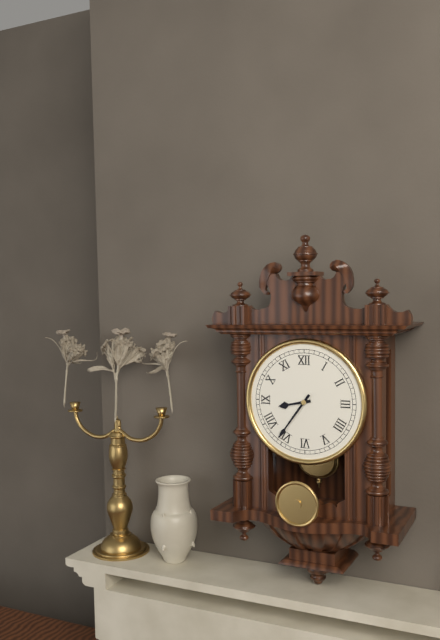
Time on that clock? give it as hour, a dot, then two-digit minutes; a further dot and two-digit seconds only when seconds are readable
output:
8.36
